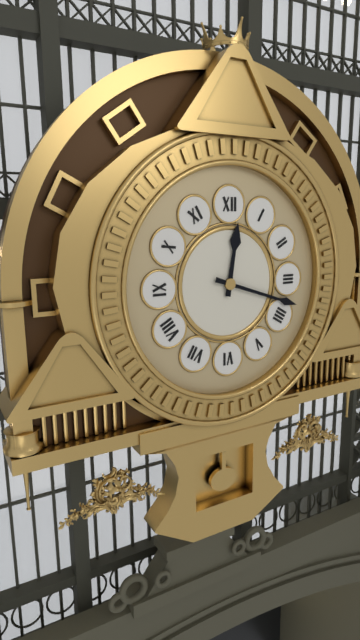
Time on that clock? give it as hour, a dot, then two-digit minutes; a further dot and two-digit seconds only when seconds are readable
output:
12.18
